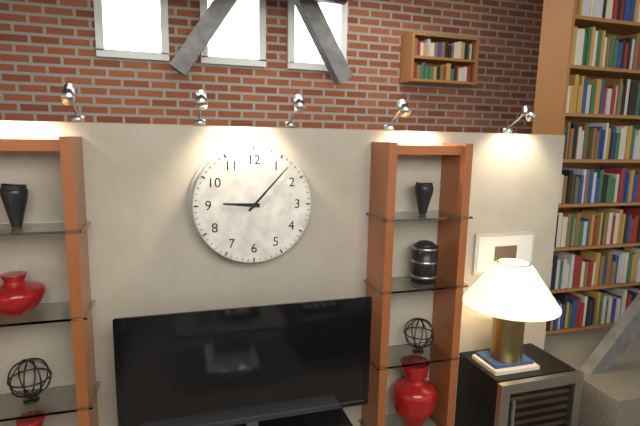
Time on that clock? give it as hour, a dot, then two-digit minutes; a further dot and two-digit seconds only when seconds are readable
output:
9.07
